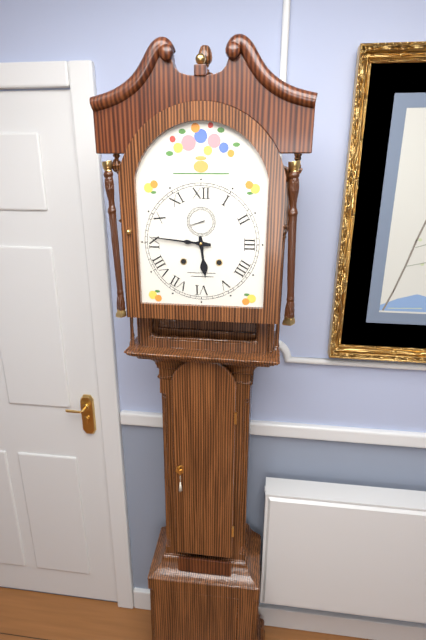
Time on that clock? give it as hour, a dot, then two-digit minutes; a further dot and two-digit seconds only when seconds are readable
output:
5.46
